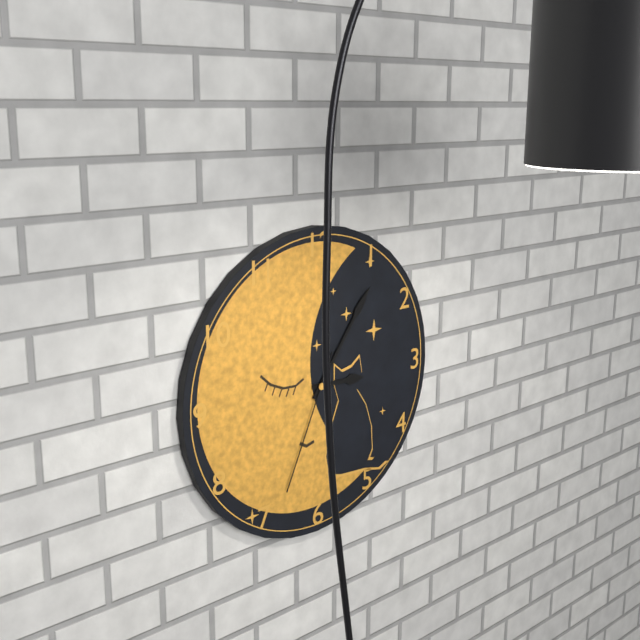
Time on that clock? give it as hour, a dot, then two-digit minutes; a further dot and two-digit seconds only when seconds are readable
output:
3.06.34
